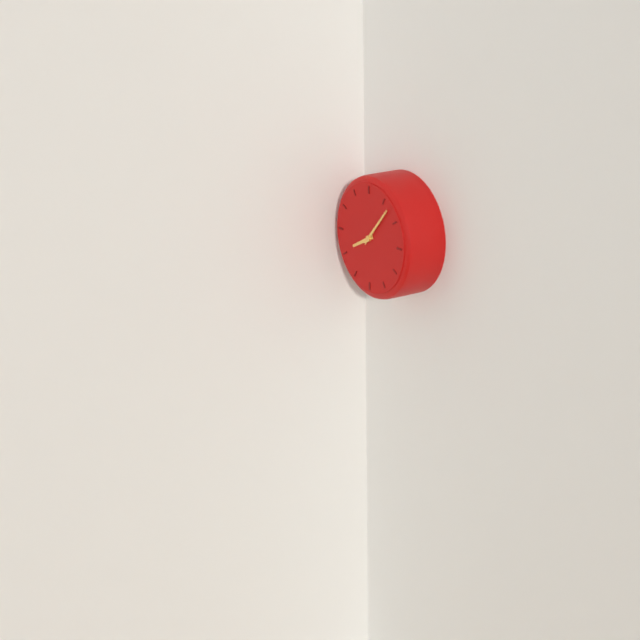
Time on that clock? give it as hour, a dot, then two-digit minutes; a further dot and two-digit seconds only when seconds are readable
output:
8.07
